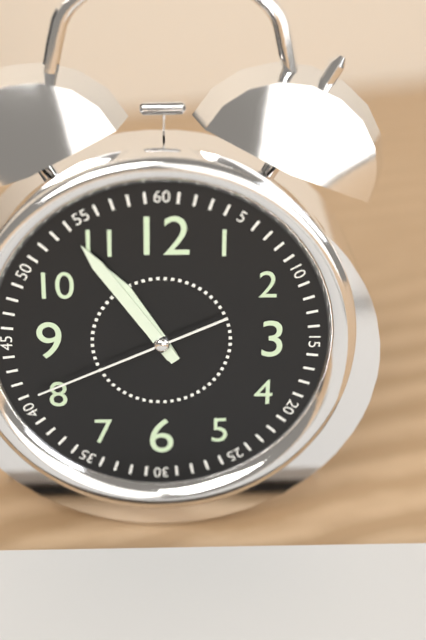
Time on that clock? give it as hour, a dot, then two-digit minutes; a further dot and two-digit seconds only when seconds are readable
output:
10.54.41
